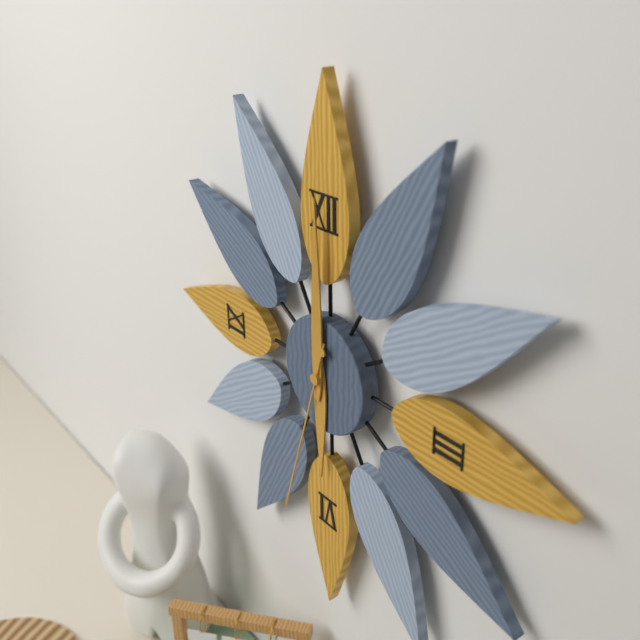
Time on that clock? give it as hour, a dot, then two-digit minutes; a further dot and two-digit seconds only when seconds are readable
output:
6.00.33
